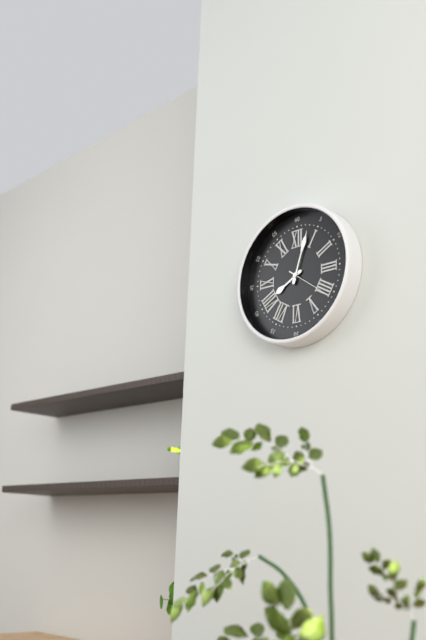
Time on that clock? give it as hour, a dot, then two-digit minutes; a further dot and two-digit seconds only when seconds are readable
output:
8.03
